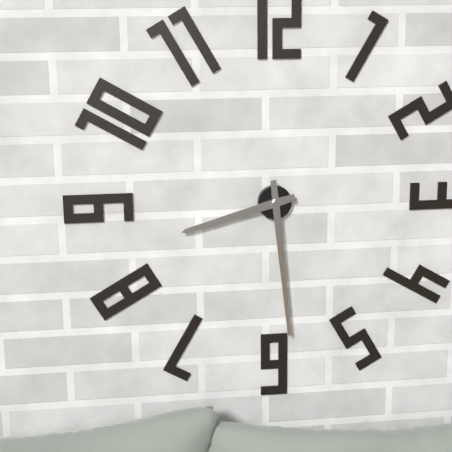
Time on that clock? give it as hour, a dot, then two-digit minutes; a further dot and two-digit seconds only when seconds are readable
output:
8.29
